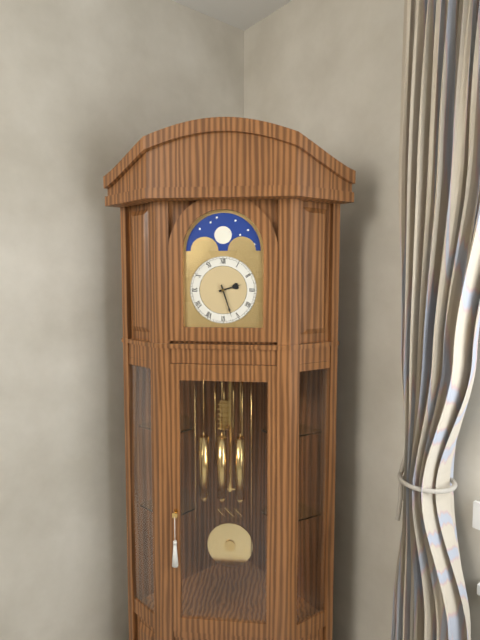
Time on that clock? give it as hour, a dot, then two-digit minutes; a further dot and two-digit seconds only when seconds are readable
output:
2.27
